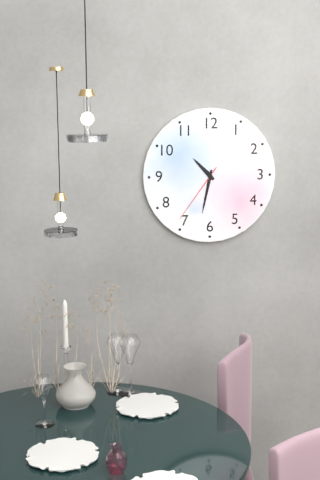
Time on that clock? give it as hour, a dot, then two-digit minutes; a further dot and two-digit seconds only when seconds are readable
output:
10.32.36
